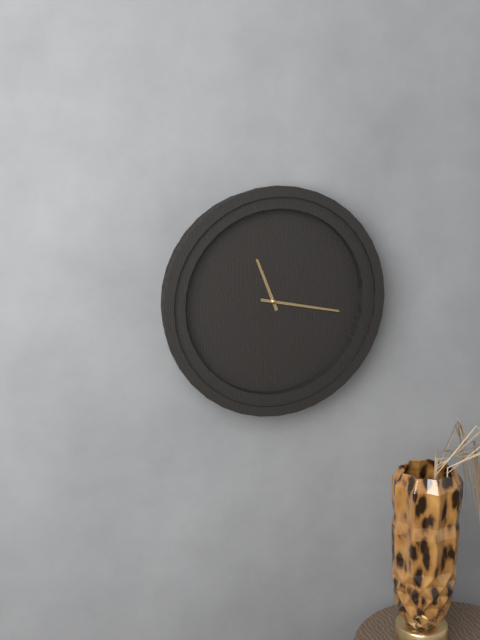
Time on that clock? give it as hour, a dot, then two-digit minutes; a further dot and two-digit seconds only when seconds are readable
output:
11.17
